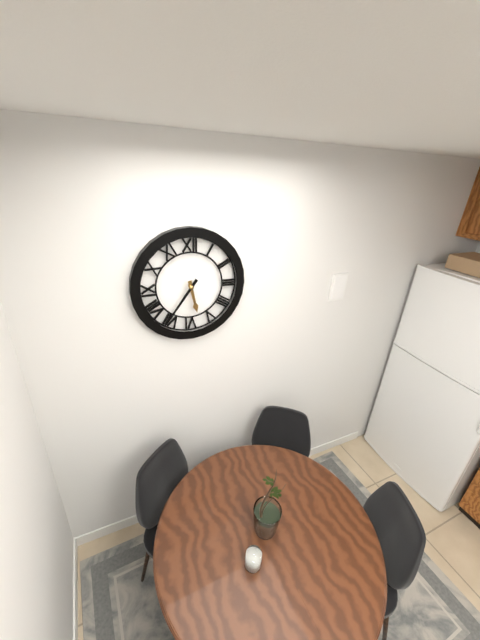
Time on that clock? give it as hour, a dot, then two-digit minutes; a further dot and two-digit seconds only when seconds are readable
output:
5.36
